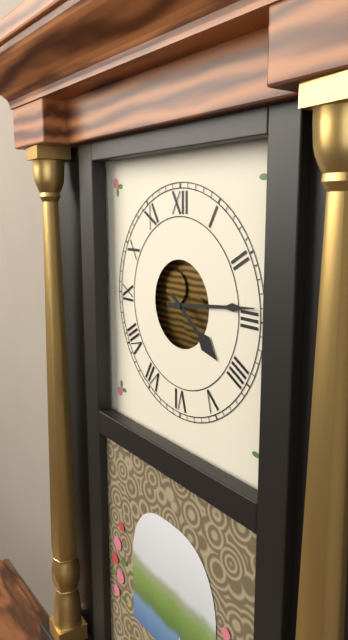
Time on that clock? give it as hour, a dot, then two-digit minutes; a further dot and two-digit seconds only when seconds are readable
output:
4.14
